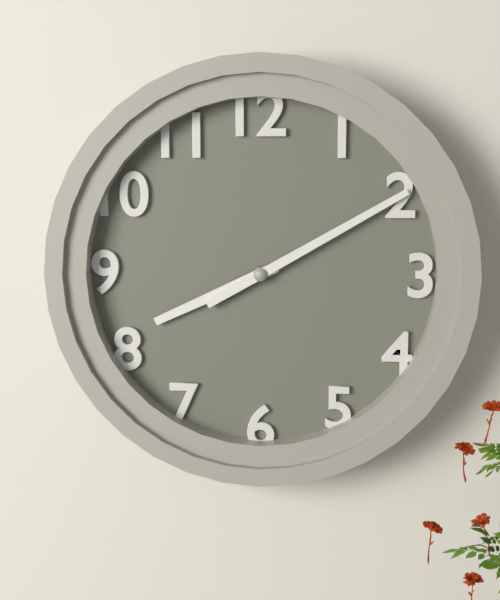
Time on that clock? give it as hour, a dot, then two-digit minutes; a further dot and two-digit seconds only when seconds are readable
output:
8.10
